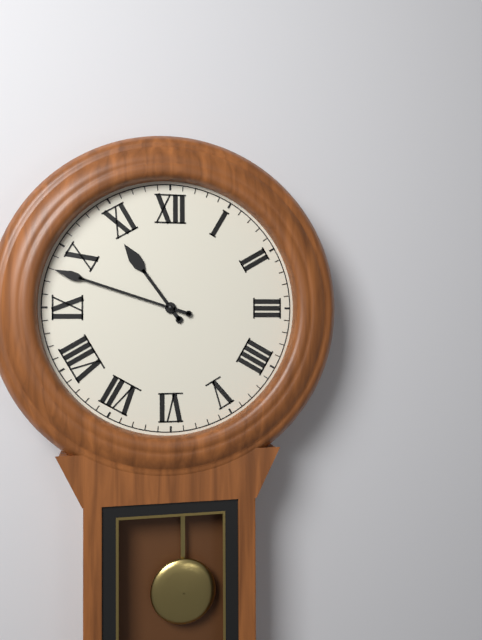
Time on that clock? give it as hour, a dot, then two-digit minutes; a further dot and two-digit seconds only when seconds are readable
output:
10.48
